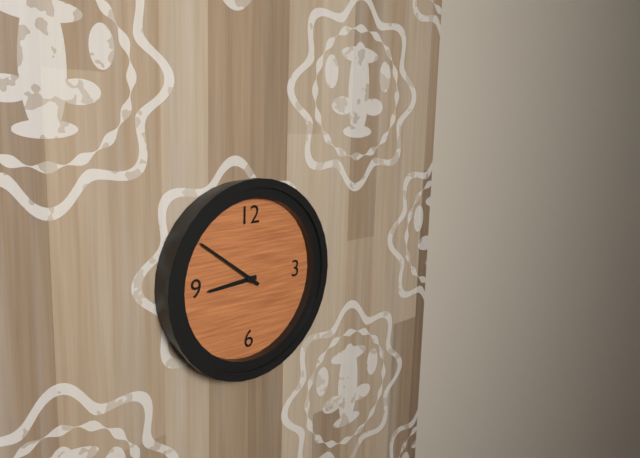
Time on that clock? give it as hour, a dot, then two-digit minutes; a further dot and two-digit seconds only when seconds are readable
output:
8.51
